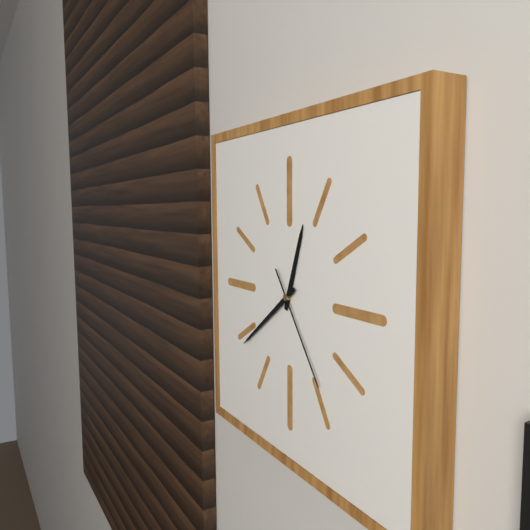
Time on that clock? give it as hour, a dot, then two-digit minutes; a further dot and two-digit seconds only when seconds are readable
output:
12.39.24
